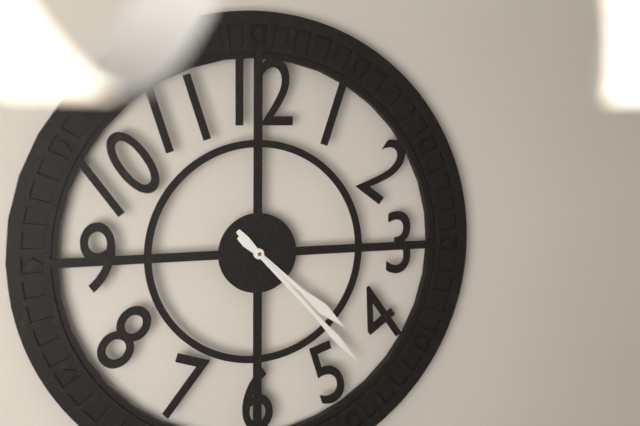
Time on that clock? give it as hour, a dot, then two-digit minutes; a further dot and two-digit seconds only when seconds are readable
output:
4.23
